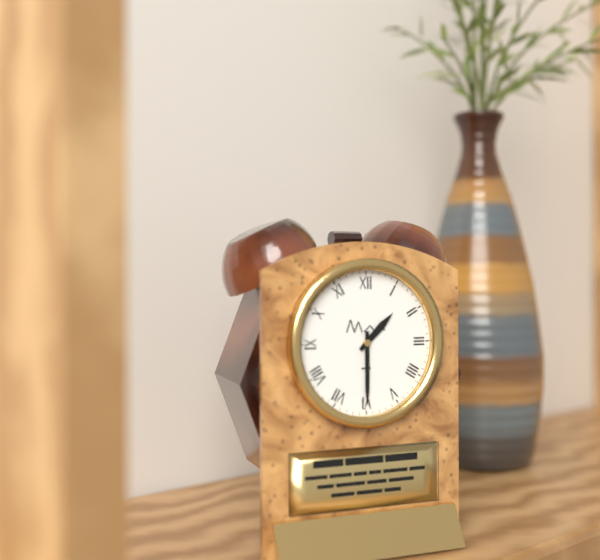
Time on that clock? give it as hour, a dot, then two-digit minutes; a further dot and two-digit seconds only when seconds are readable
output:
1.30
